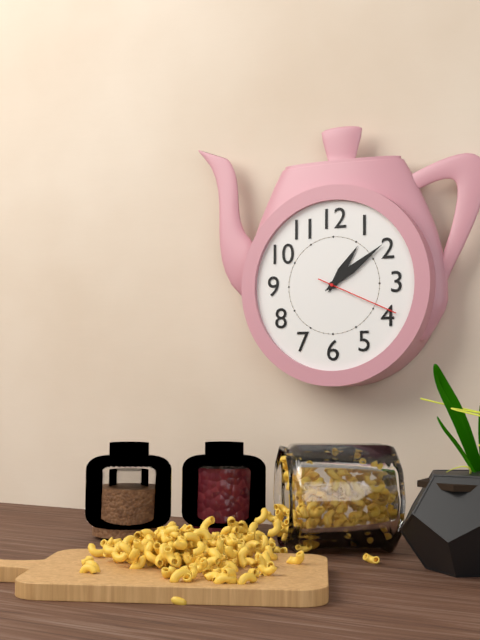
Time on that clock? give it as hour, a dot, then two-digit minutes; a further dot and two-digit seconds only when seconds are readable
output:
1.09.19
